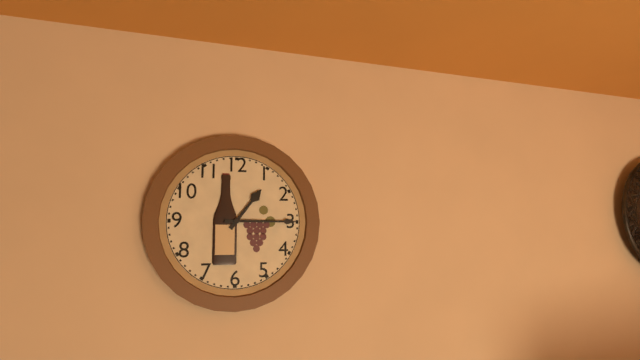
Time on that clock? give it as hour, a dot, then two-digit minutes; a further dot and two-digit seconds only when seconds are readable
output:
1.15
